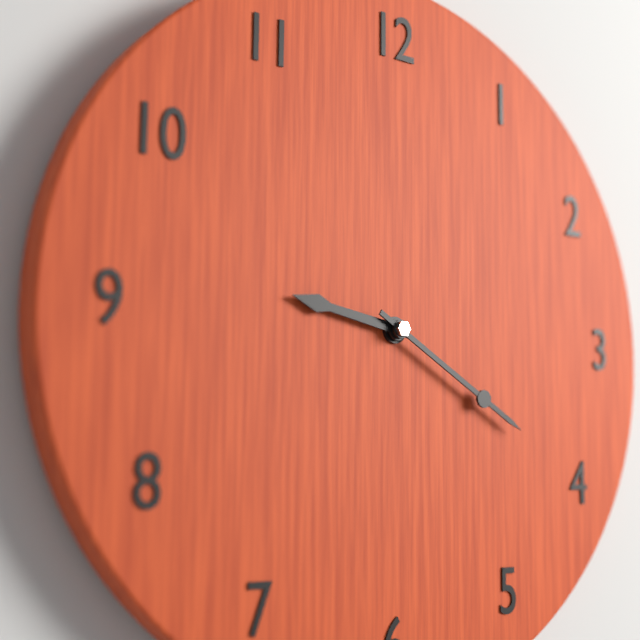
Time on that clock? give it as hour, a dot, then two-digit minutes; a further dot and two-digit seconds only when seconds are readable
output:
9.20
